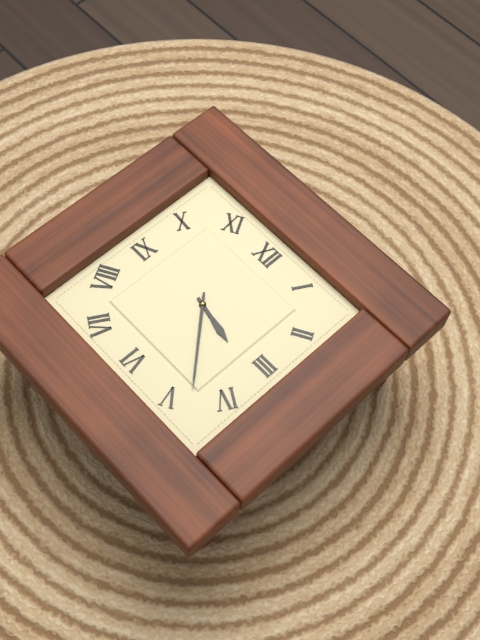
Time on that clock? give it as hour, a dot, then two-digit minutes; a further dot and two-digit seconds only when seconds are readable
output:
3.23
